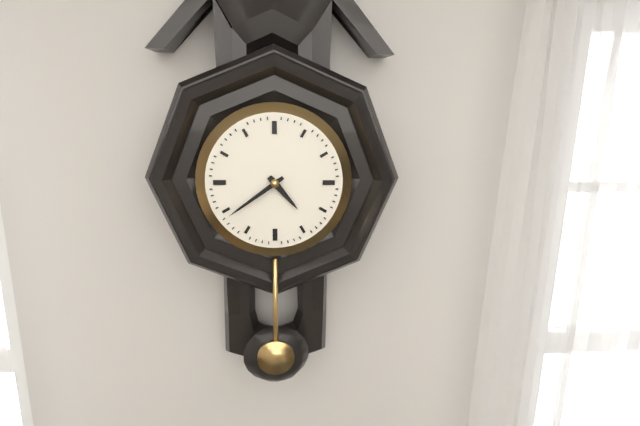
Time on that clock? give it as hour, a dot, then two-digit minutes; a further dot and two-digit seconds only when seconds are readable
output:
4.39
